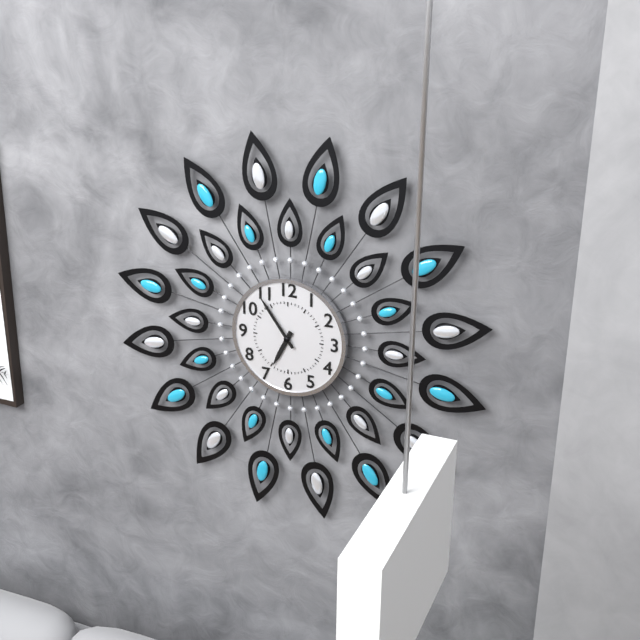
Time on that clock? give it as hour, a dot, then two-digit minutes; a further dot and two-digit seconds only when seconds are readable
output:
6.54
